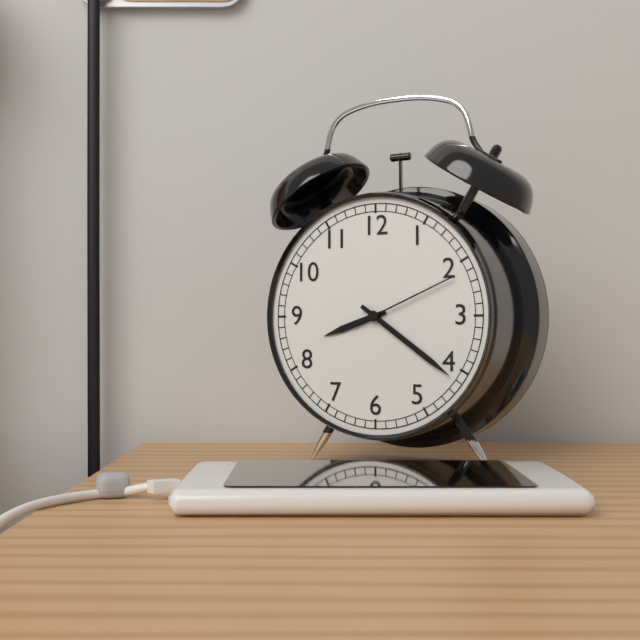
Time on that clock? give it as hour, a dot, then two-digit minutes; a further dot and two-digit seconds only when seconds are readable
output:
8.21.11
